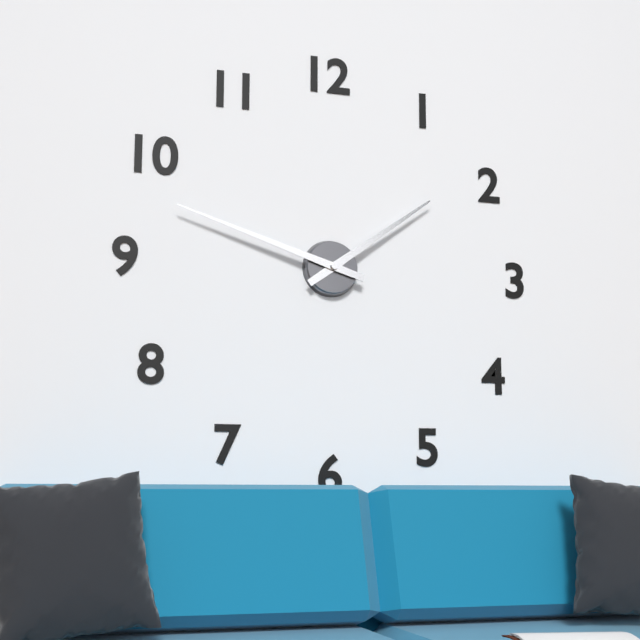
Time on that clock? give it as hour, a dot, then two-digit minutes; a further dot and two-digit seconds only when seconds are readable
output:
1.48
